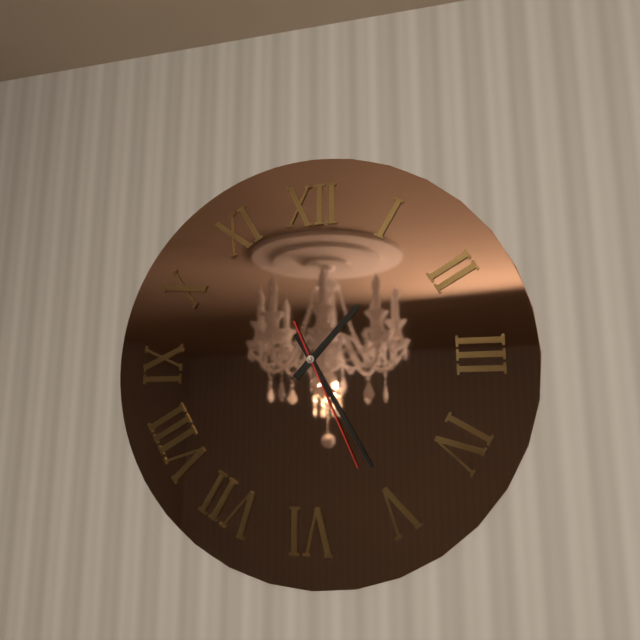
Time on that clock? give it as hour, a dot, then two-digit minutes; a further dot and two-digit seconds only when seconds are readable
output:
1.25.26
